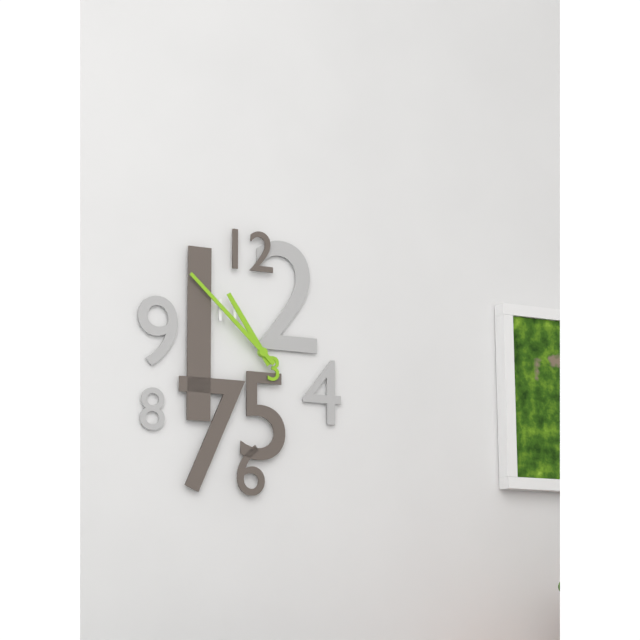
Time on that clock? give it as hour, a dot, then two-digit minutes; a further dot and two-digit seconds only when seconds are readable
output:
10.52
